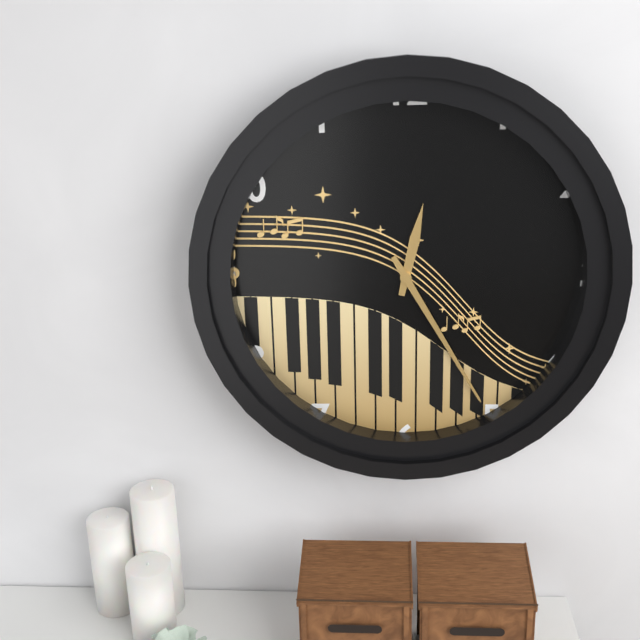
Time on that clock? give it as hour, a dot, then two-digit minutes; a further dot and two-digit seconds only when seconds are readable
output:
12.25
